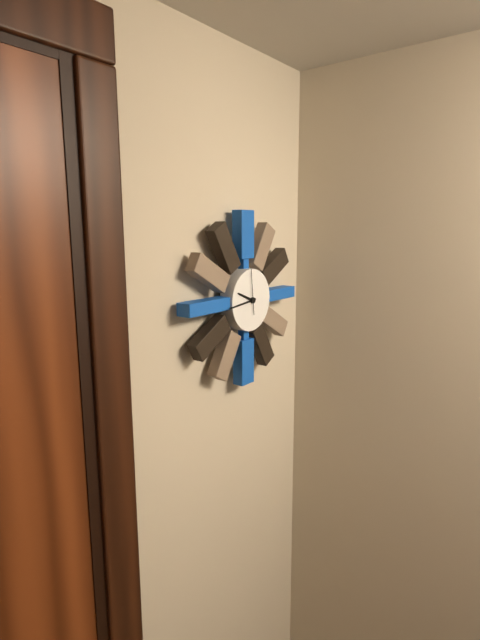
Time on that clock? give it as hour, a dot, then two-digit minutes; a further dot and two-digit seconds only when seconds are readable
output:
9.44
